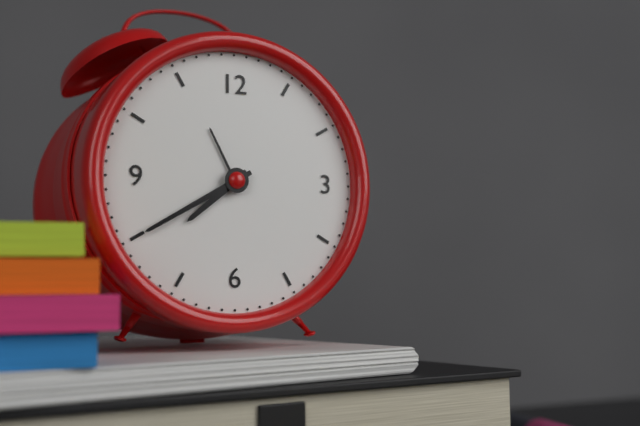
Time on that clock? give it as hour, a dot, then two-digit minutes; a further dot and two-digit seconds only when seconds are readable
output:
7.40
